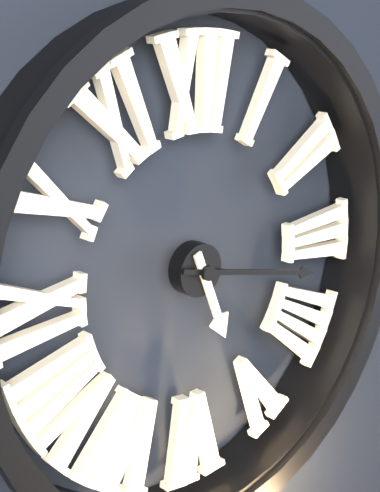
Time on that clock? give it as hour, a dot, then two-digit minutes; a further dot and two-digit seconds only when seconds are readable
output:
5.17
